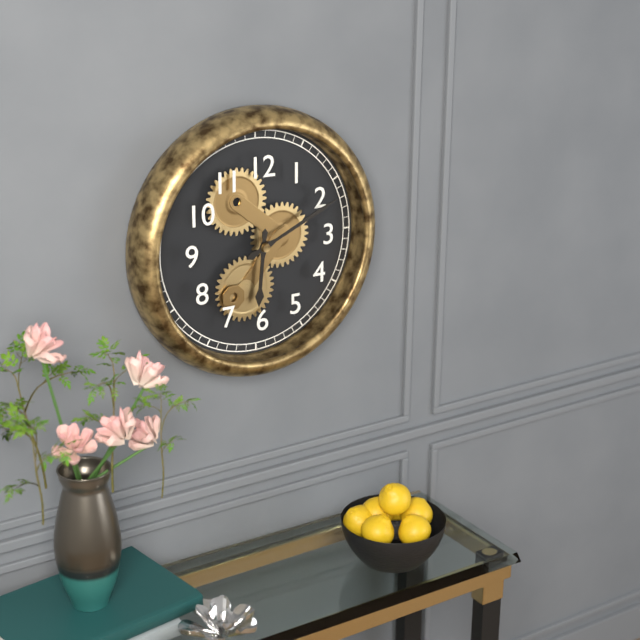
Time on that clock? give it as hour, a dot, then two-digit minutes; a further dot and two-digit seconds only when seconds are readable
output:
6.11
